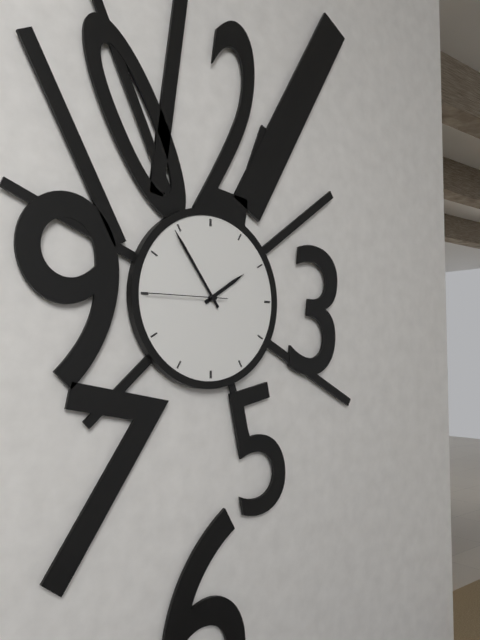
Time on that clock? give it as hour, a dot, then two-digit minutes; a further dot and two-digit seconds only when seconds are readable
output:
1.54.45
